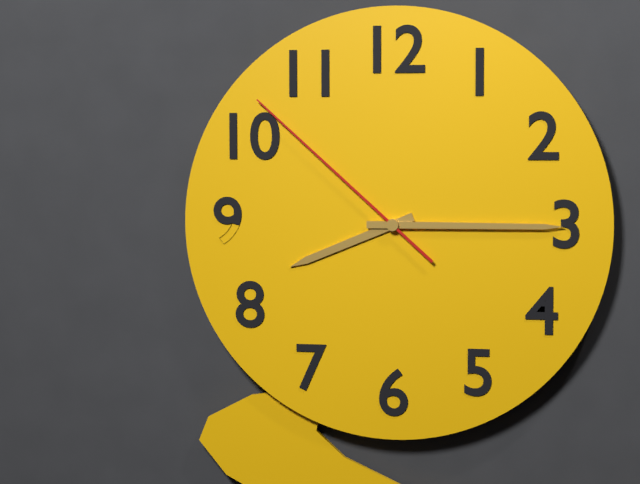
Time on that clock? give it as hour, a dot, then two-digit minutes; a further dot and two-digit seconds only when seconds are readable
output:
8.15.52
